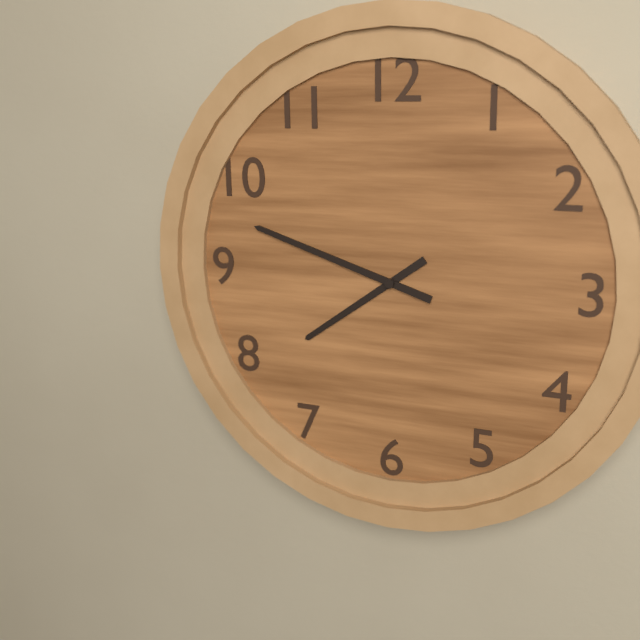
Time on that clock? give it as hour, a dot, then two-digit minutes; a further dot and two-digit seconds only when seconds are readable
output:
7.48
